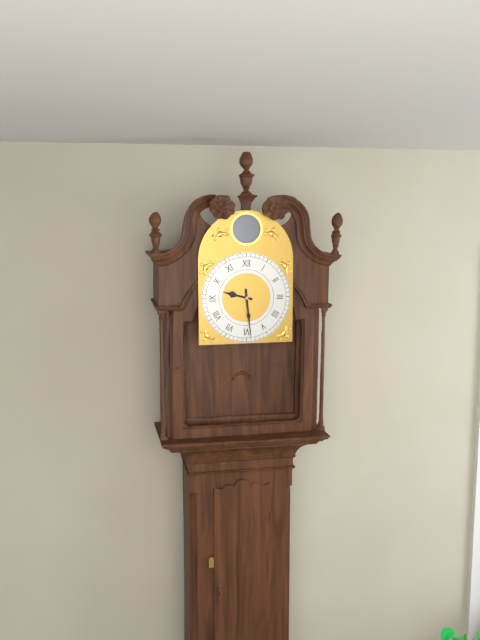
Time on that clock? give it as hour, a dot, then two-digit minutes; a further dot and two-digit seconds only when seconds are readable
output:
9.29
